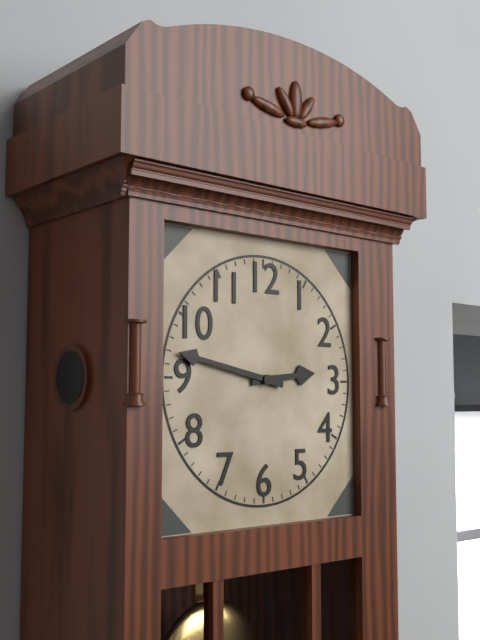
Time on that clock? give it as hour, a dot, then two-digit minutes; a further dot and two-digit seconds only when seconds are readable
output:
2.47
